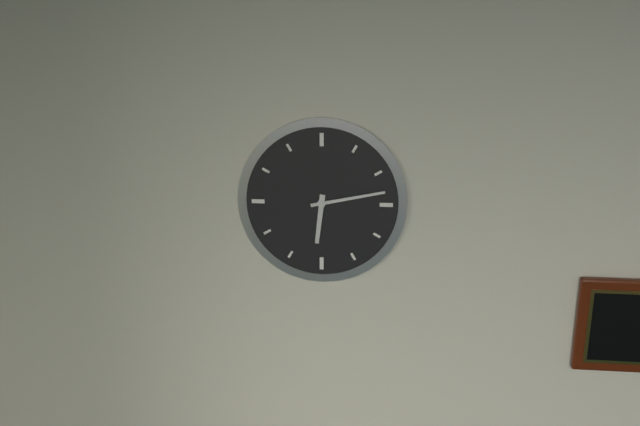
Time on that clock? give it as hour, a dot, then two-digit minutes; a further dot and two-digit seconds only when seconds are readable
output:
6.13
